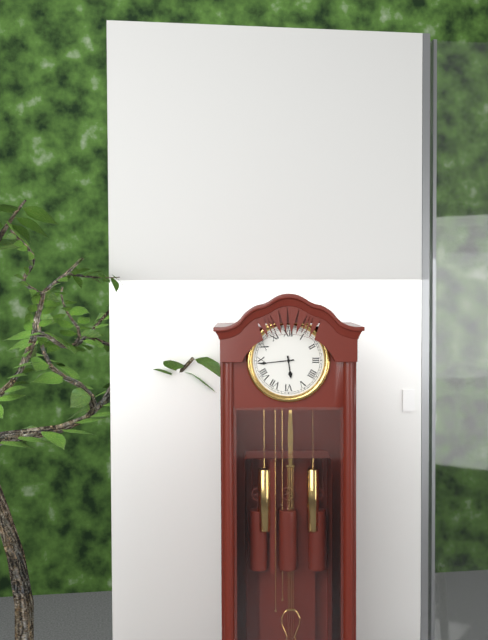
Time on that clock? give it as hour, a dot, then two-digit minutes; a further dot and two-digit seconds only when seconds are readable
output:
5.44
